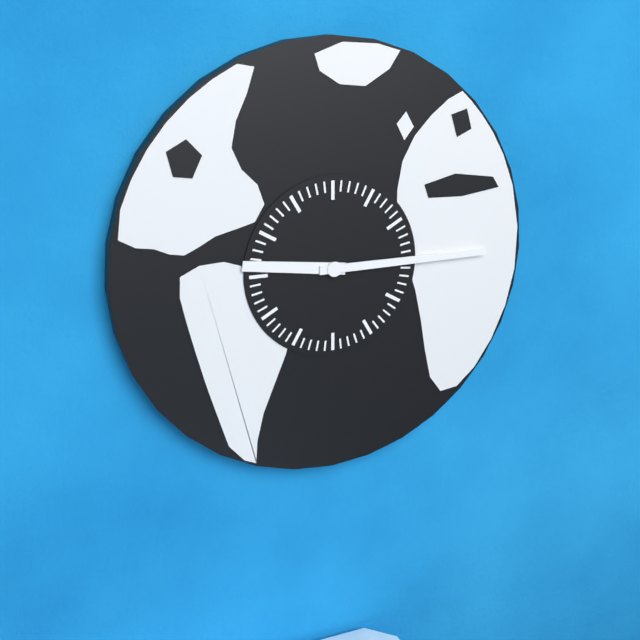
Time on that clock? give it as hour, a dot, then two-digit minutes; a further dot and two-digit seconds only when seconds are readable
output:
9.15
